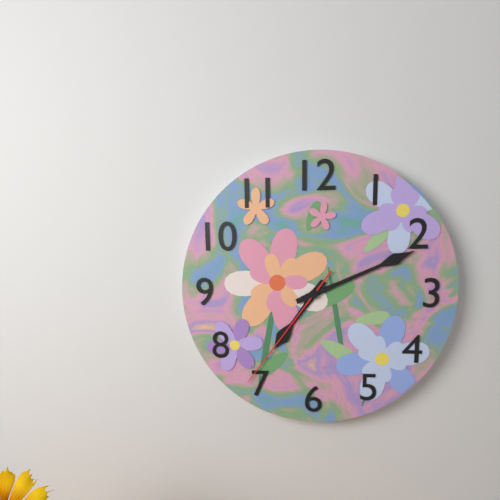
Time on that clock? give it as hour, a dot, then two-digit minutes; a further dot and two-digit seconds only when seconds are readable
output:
7.11.36
